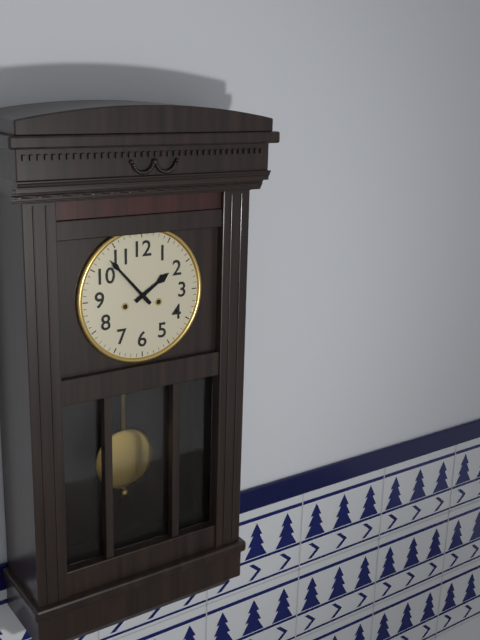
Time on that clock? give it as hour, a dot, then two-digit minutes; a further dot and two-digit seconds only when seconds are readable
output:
1.53
